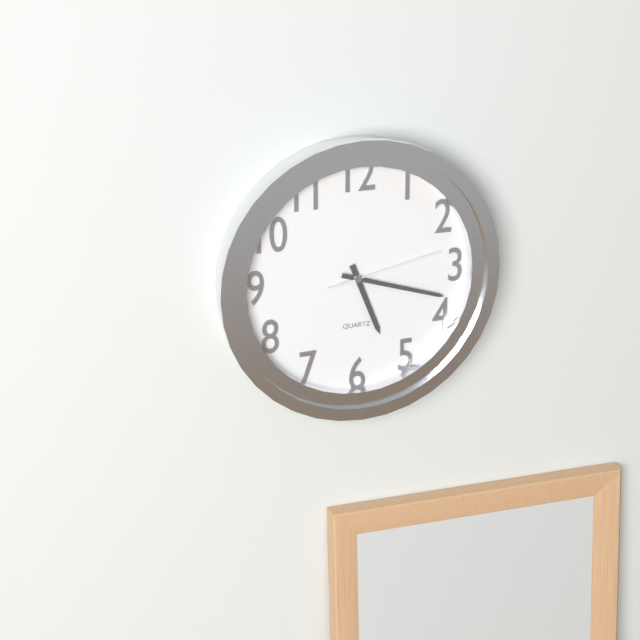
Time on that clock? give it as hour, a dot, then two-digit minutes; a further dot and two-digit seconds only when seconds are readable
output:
5.18.13
